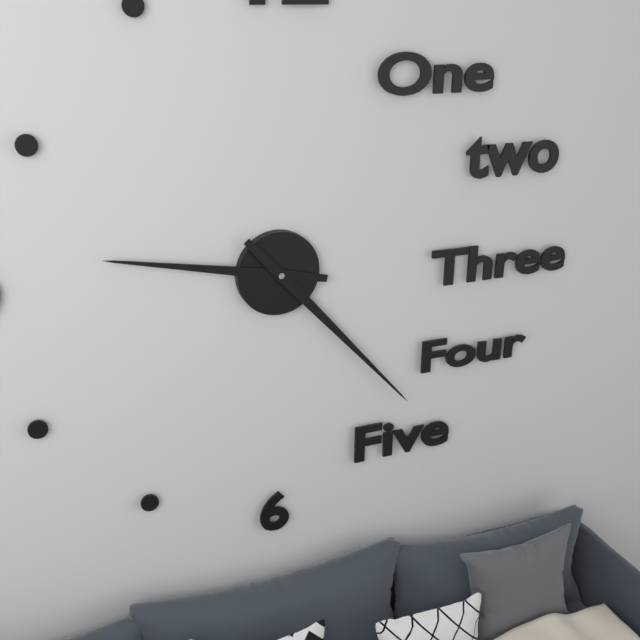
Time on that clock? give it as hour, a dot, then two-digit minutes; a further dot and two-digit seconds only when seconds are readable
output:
9.23
